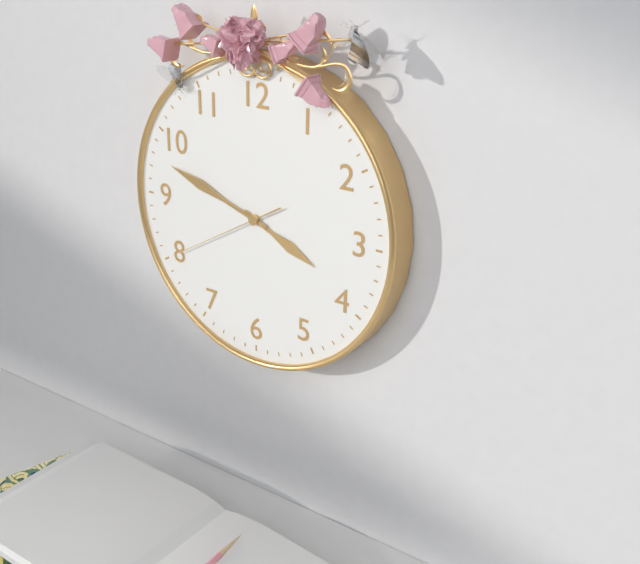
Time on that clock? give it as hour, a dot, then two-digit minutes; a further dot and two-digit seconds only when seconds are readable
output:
3.48.40
